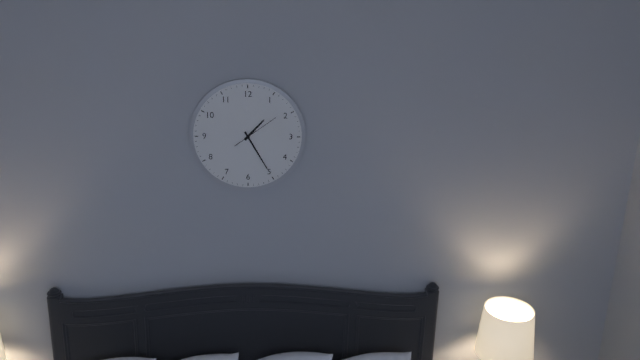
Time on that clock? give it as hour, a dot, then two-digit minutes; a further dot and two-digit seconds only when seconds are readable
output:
1.25
